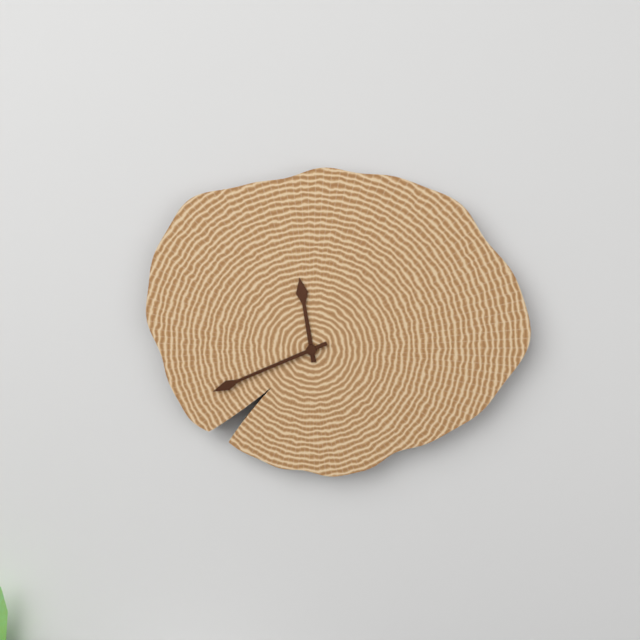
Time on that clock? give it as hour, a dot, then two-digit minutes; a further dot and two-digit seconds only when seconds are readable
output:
11.41
